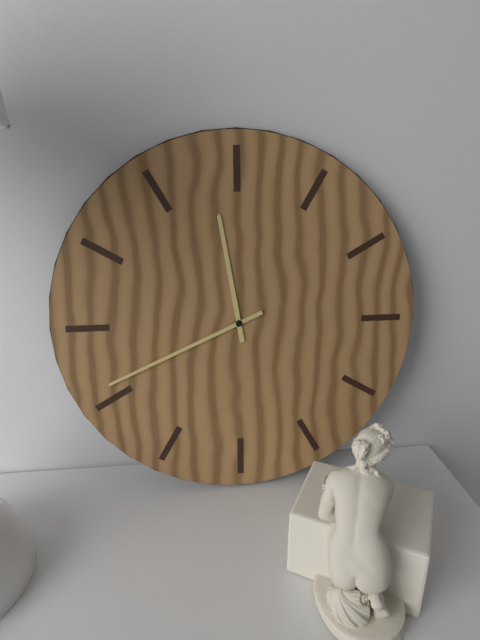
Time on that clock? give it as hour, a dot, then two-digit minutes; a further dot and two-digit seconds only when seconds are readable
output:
11.41
